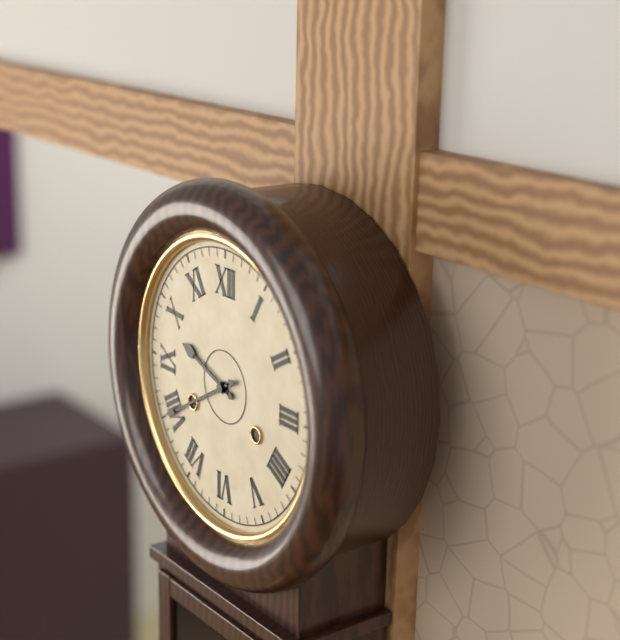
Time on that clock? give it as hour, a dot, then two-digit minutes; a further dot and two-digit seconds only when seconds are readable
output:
9.40
